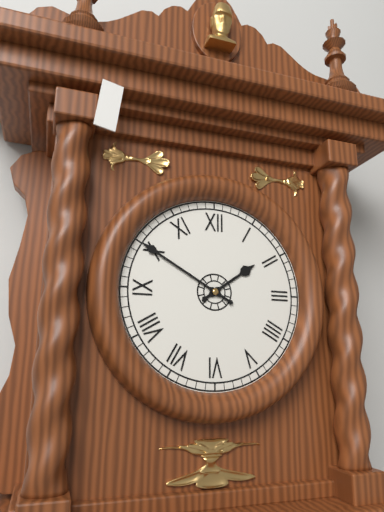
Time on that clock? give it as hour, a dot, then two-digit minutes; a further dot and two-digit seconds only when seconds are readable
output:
1.50
